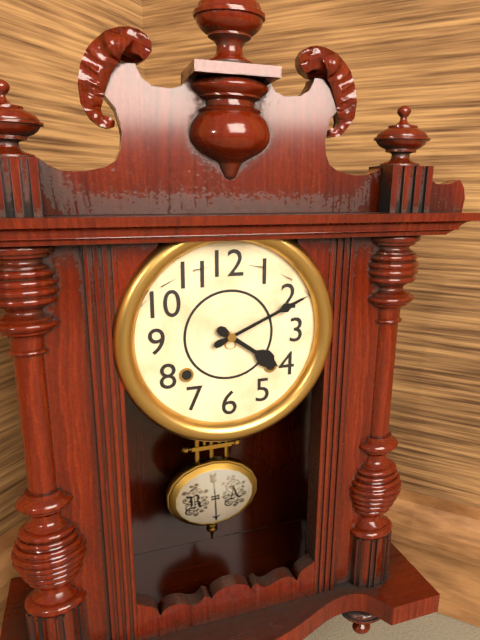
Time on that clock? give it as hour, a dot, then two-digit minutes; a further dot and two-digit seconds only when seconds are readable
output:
4.11
